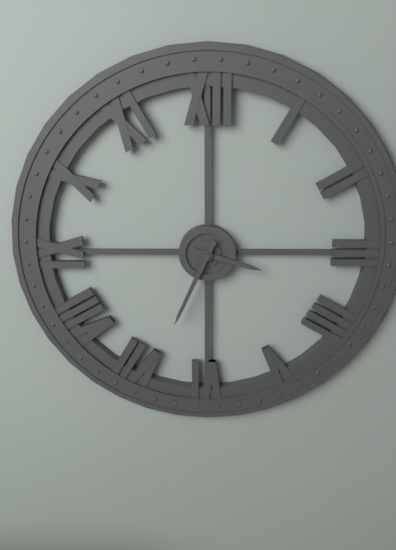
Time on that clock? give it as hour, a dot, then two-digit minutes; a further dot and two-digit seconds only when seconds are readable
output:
3.34
